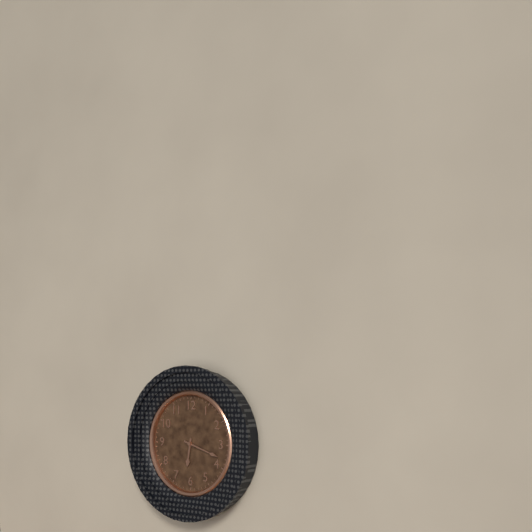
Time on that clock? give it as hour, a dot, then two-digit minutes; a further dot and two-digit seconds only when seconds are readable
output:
6.18
